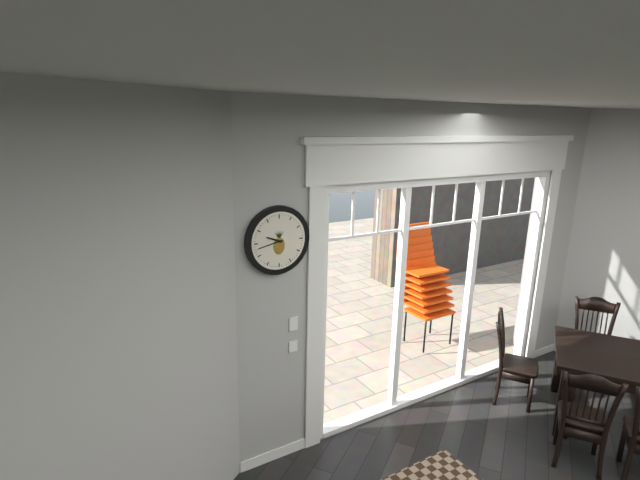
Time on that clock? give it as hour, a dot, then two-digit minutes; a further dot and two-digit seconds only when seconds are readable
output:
9.43
